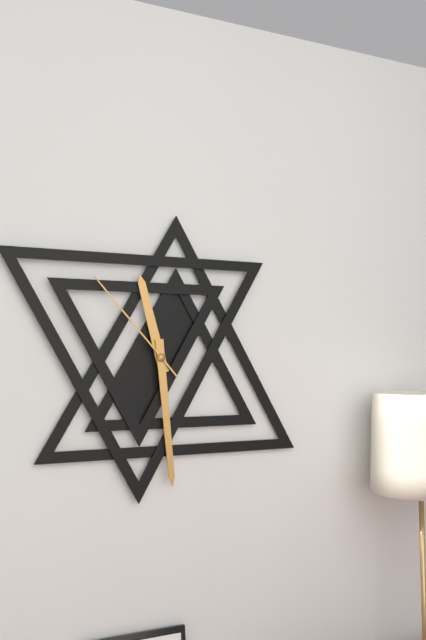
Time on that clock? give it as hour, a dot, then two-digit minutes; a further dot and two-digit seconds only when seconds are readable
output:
11.29.53
